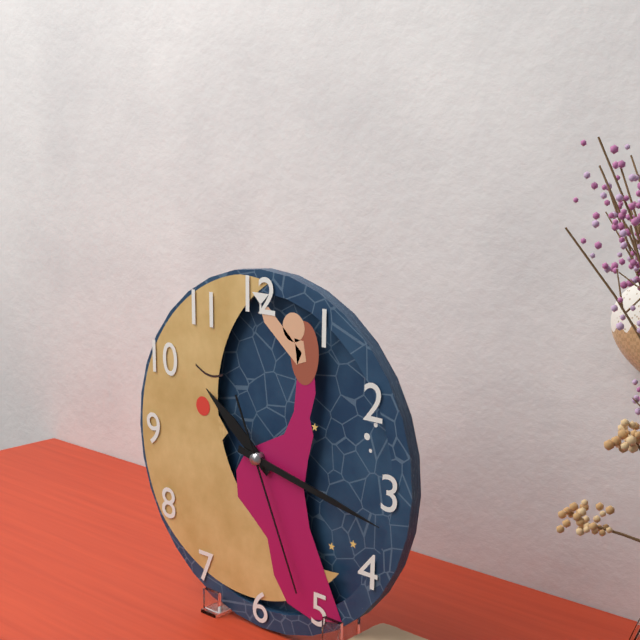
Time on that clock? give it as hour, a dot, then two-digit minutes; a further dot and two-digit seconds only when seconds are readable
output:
10.17.26
